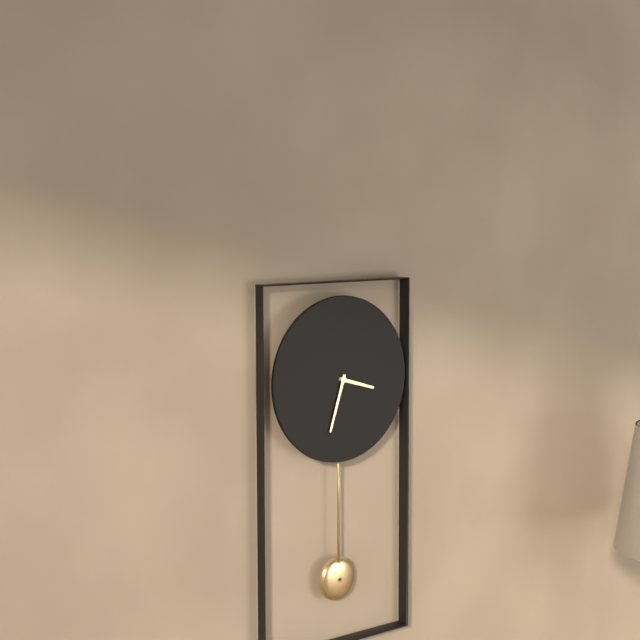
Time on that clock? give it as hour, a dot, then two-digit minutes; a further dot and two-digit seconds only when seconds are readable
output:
3.33
